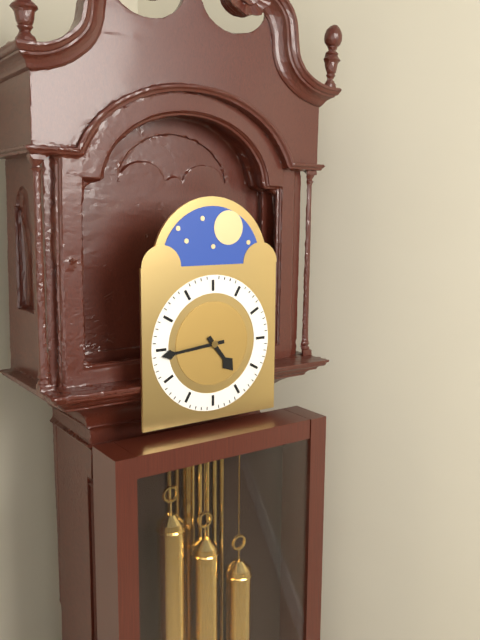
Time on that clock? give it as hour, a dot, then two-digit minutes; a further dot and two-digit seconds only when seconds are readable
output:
4.44
